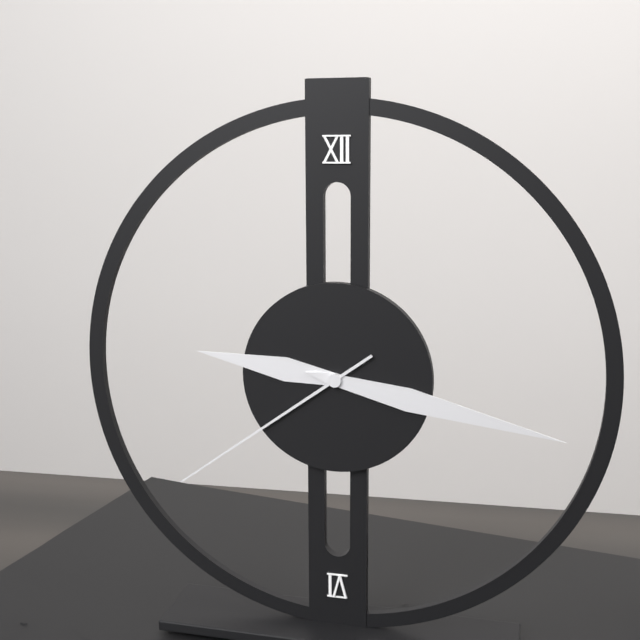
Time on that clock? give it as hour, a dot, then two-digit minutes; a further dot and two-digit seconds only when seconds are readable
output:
9.17.39
